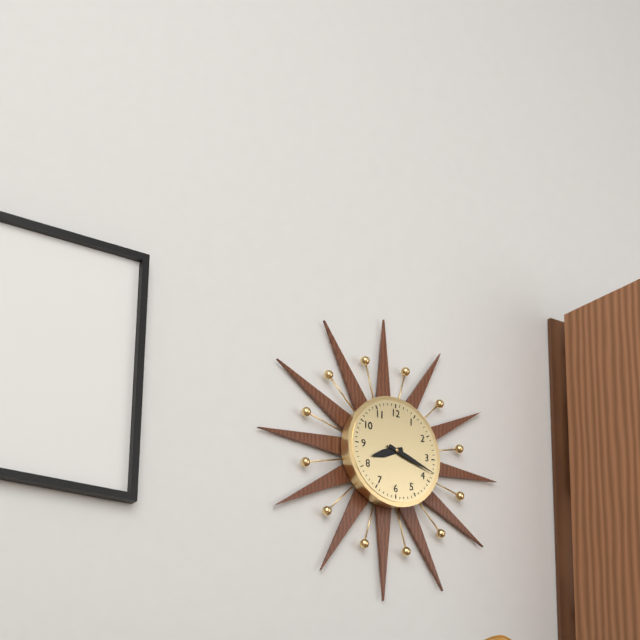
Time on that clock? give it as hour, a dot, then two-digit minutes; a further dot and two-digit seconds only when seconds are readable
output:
8.18
